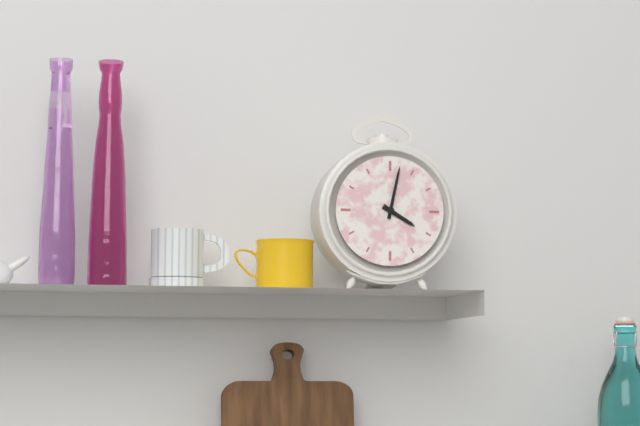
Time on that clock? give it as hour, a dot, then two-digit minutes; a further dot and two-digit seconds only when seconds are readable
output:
4.02
